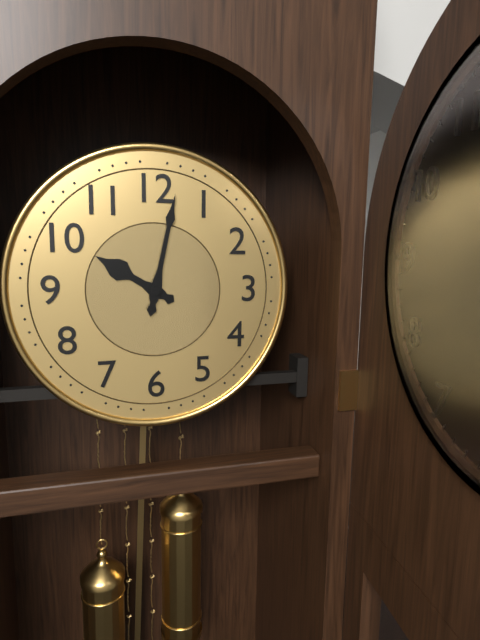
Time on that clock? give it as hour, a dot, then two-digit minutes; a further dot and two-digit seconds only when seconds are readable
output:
10.02
